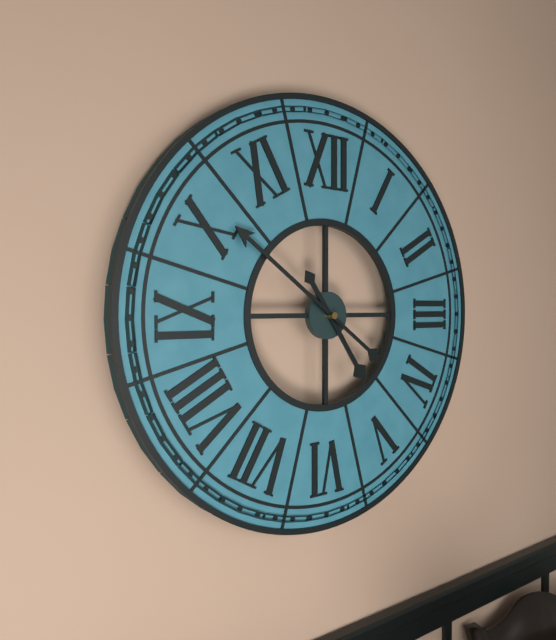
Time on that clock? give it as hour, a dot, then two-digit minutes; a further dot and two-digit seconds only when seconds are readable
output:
4.51
